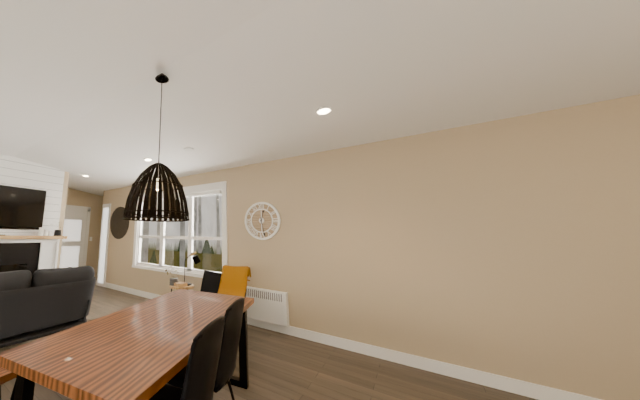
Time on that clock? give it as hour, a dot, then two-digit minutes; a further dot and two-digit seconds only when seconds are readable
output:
12.28
